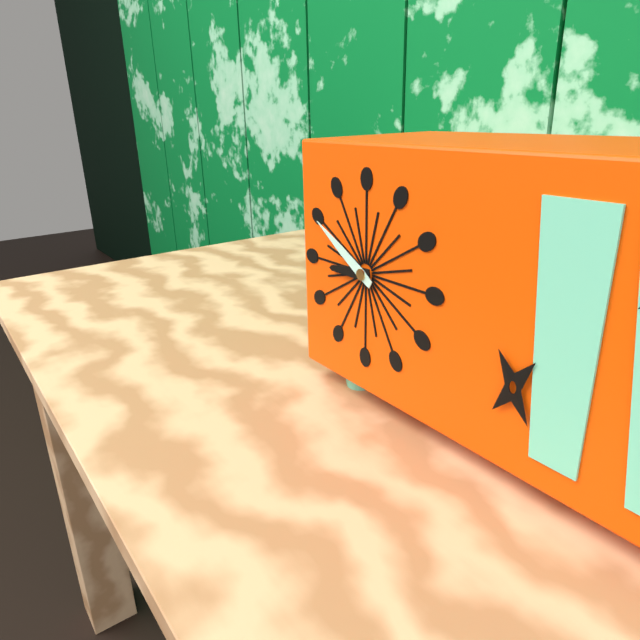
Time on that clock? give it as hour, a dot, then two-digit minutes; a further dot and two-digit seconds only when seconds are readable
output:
8.50
